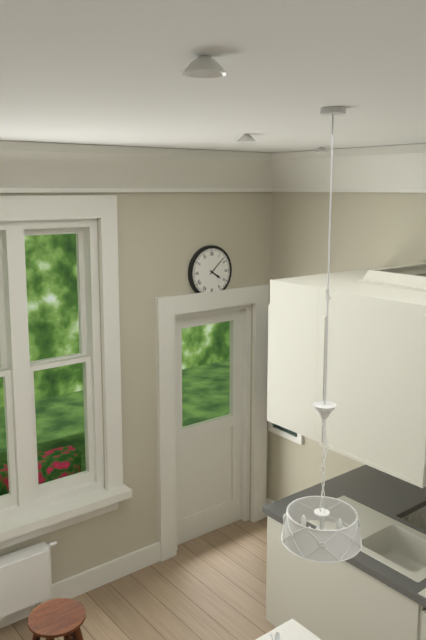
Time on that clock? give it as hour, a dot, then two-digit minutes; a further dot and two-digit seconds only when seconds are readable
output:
4.08
